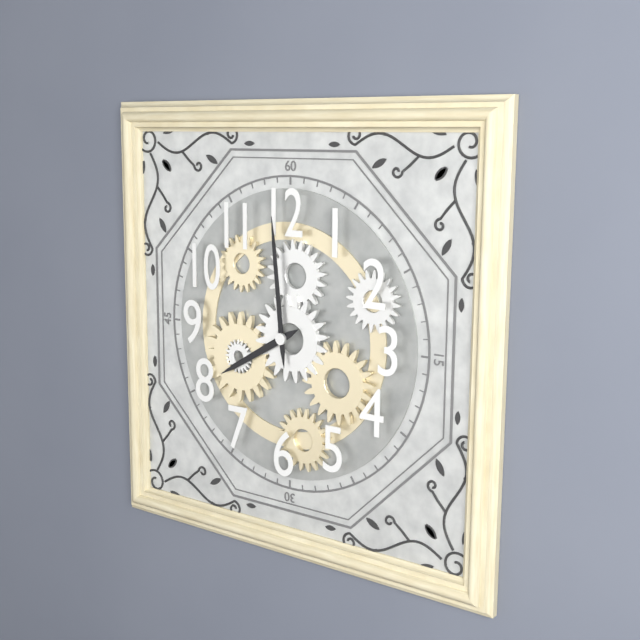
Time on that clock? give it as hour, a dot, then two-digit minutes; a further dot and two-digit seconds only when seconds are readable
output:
7.59
